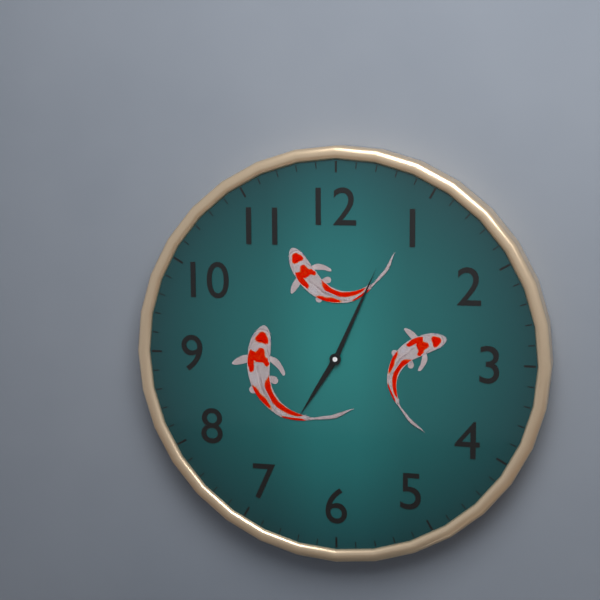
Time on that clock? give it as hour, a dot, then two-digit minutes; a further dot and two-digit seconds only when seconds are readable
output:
7.04
